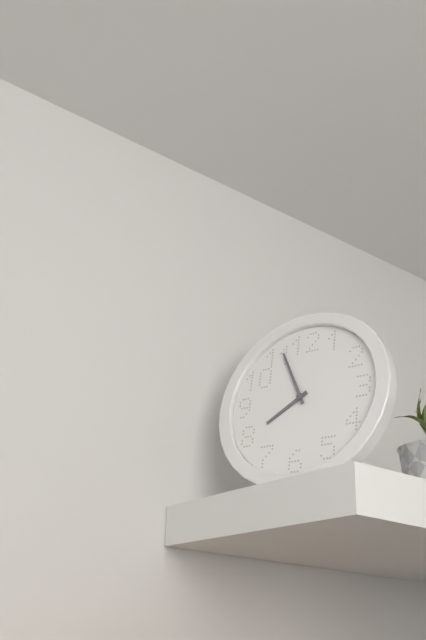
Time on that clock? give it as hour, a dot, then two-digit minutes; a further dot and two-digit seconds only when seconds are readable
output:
7.56
